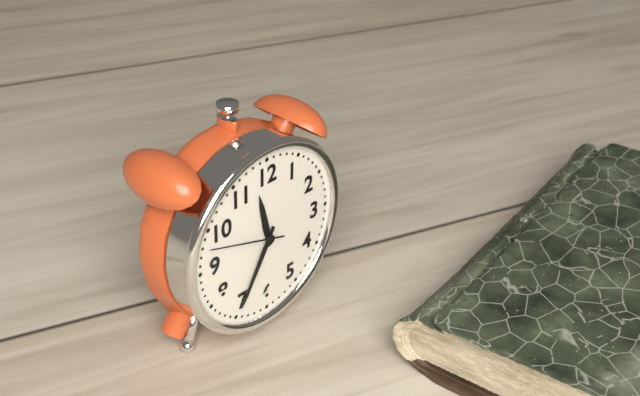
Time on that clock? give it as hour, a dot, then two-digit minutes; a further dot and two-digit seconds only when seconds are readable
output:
11.35.48
